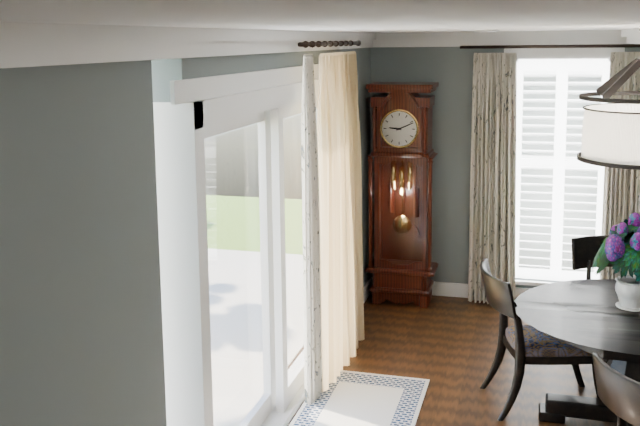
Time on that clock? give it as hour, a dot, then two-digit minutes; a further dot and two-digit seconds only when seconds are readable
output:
9.11
